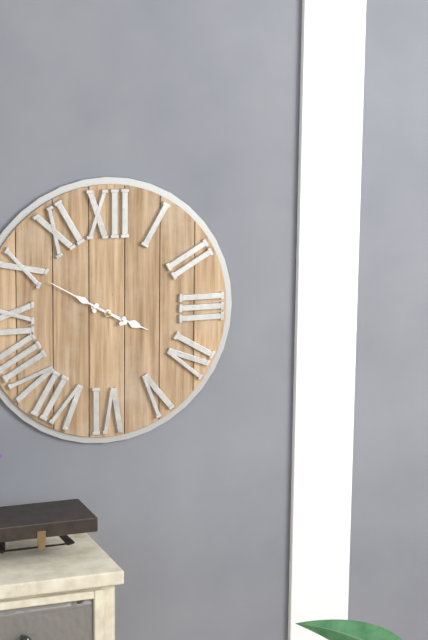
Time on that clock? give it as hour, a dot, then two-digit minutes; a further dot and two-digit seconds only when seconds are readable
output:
3.50
